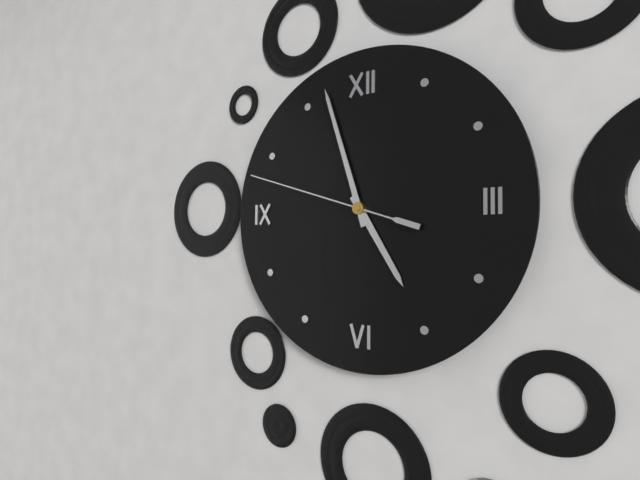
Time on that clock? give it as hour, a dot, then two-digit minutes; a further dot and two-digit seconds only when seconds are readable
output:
4.57.48
